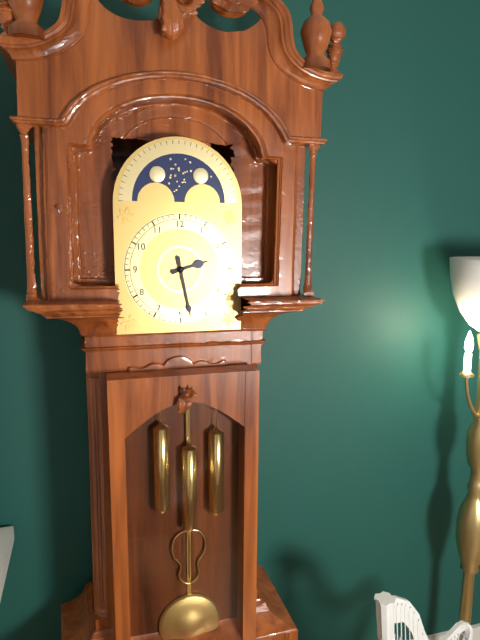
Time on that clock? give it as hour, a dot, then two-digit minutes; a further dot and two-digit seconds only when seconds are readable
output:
2.28
